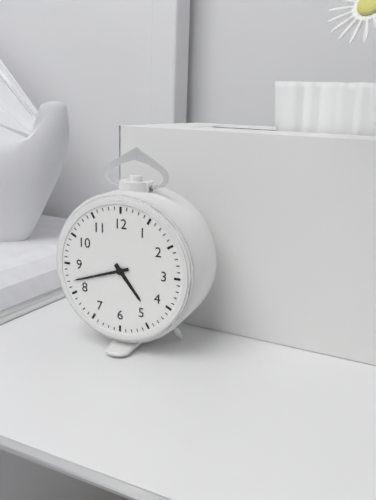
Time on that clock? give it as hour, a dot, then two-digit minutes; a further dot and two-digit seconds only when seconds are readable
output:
4.42
